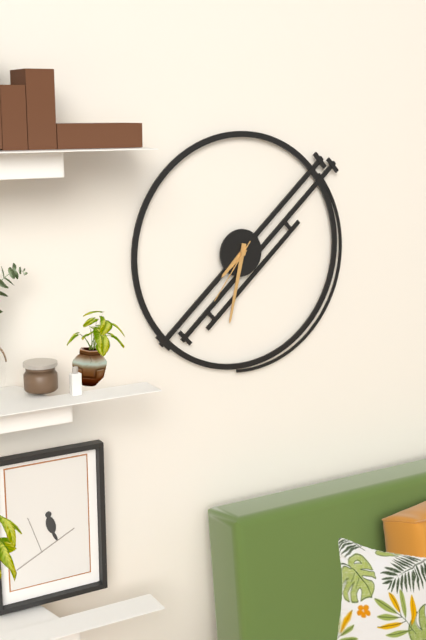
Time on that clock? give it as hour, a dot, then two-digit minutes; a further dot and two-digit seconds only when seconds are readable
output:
7.32.36
